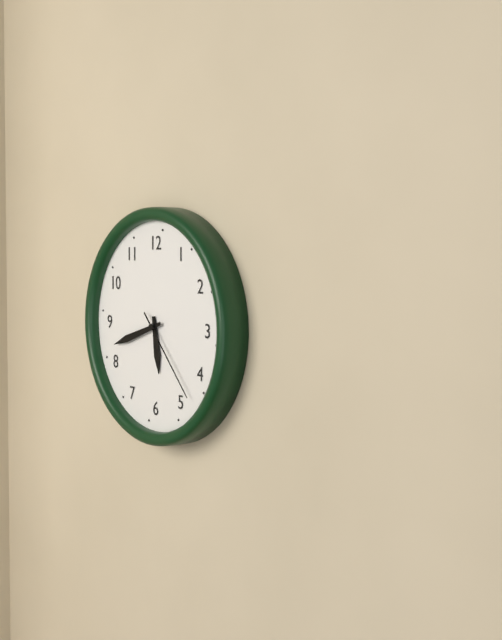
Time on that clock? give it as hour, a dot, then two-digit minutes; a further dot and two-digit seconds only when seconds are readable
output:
5.42.23
